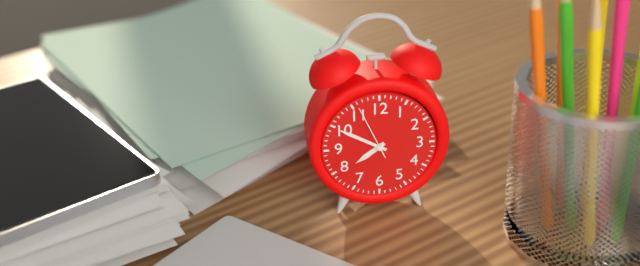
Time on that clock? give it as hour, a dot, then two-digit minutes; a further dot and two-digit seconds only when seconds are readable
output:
7.50.56
